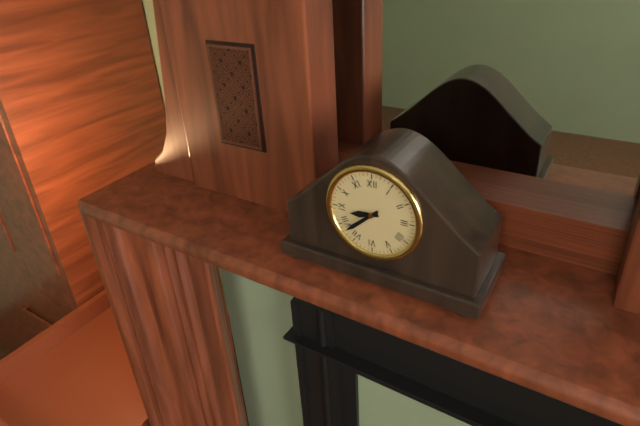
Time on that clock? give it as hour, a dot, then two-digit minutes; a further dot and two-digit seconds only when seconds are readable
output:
8.38
